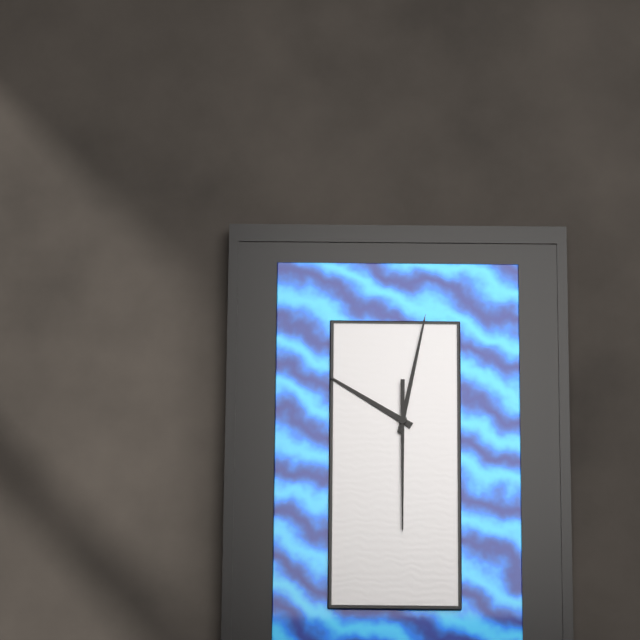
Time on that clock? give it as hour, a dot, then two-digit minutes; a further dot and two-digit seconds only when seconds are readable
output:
10.02.30
